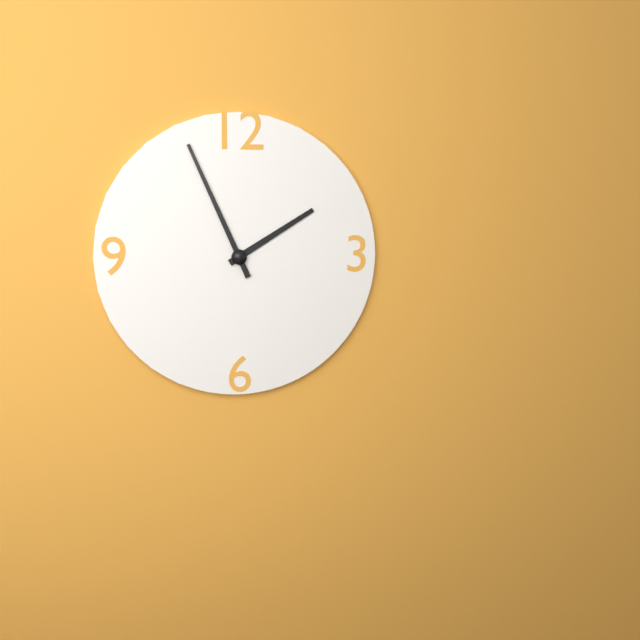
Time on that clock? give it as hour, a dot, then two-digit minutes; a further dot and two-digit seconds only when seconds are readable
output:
1.56
